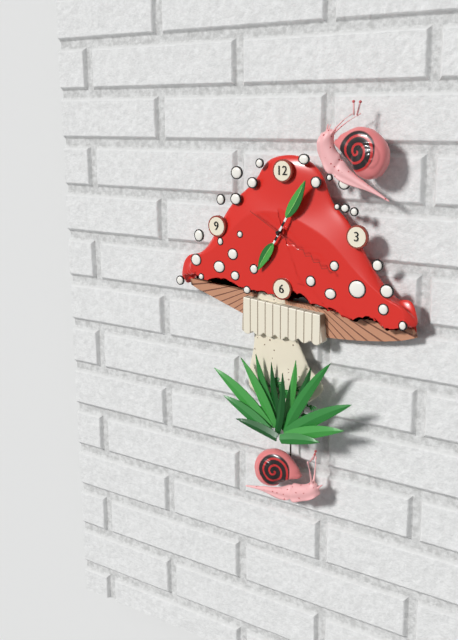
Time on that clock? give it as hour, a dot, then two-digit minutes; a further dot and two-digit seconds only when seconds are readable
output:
7.05.20
